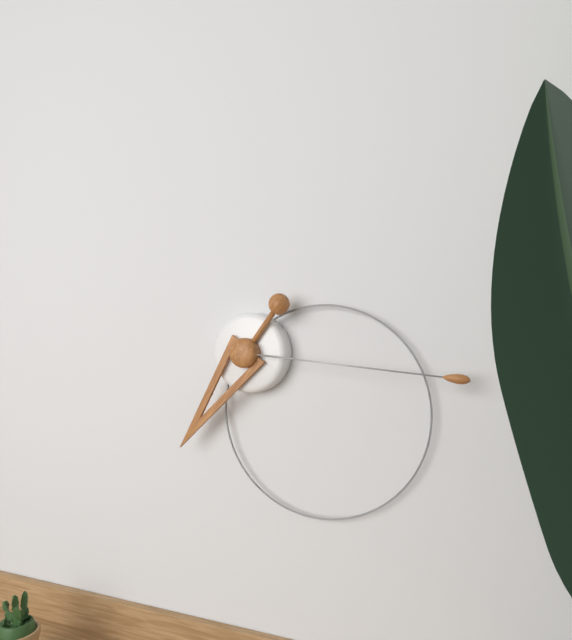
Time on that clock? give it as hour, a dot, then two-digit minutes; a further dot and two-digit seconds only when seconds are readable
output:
7.16
